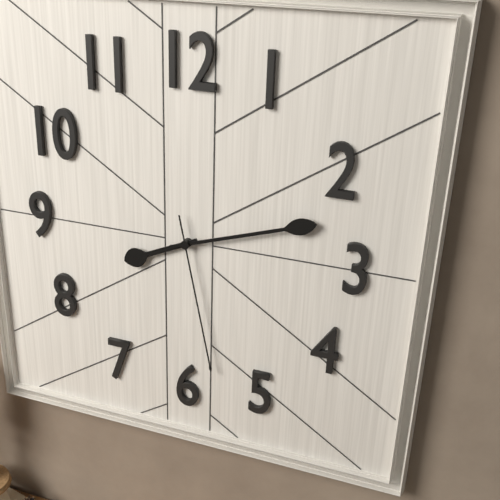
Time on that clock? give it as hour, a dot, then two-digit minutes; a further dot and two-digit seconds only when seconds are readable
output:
8.12.28
